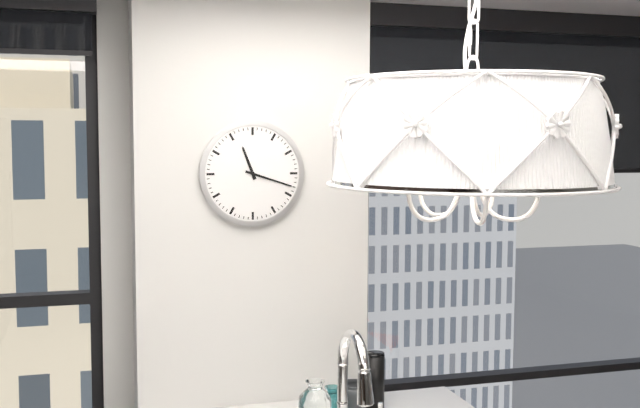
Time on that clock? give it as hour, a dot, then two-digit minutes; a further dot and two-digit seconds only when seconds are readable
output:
11.18
